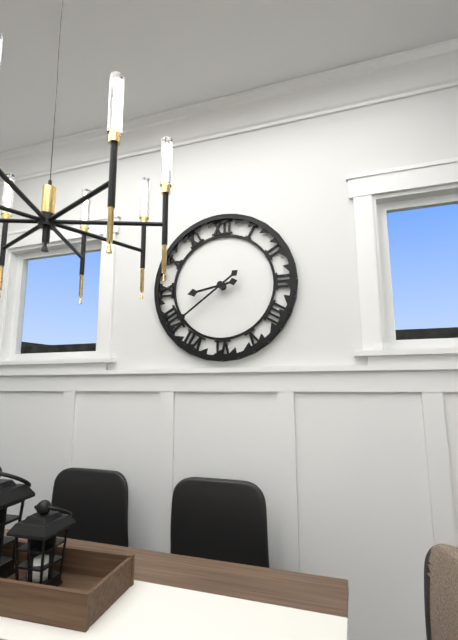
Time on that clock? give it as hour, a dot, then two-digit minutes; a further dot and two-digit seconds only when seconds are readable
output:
8.39
